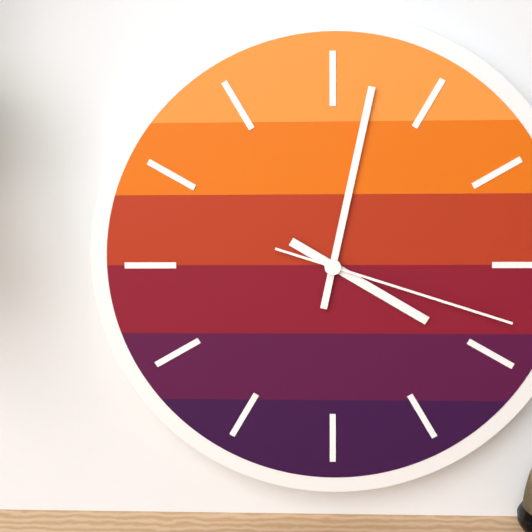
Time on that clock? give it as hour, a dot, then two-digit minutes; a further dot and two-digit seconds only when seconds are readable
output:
4.02.18
